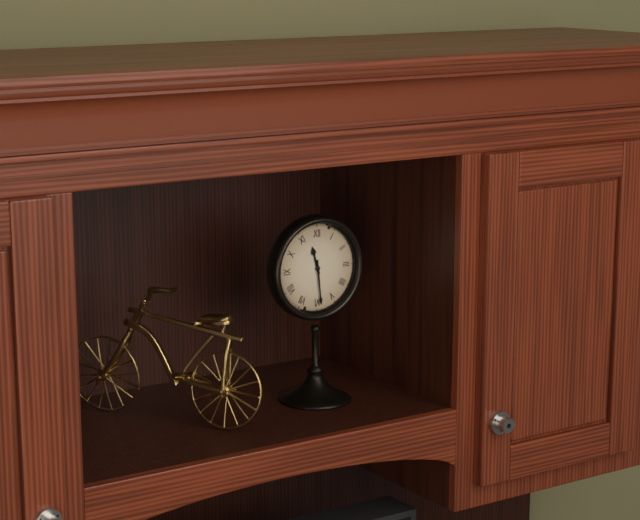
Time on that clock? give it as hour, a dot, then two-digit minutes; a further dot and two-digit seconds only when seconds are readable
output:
11.29
